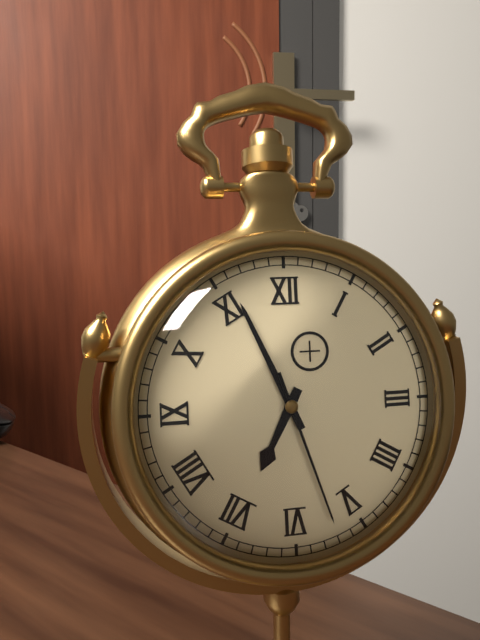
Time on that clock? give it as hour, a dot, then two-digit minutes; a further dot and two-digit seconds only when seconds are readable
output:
6.56.27
